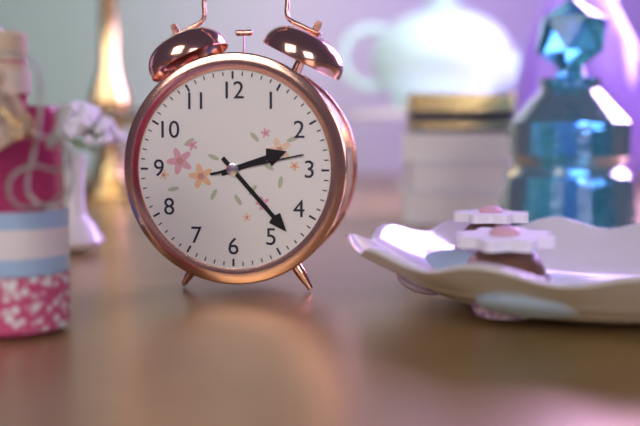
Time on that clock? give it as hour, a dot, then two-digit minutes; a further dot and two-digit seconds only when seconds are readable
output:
2.23.13
